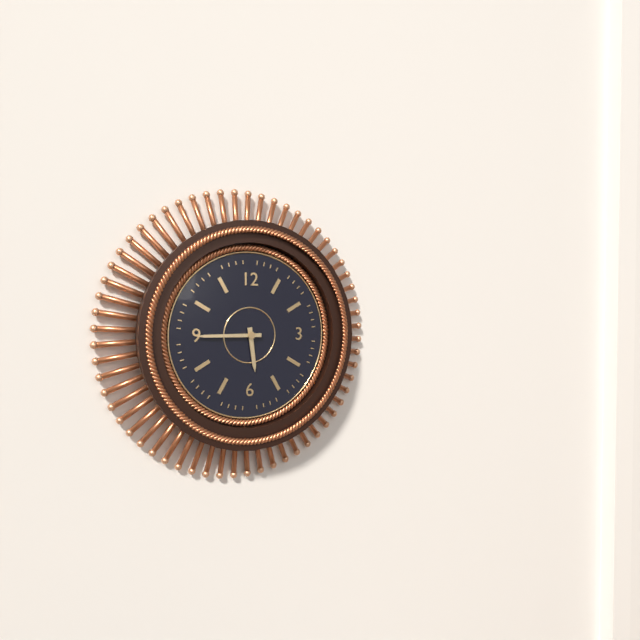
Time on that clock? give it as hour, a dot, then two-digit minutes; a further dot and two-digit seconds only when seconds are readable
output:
5.45
